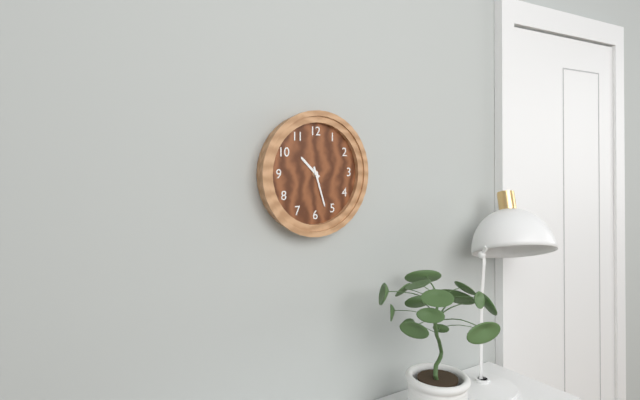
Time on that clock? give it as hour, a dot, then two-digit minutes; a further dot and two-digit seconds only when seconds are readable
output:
10.27
